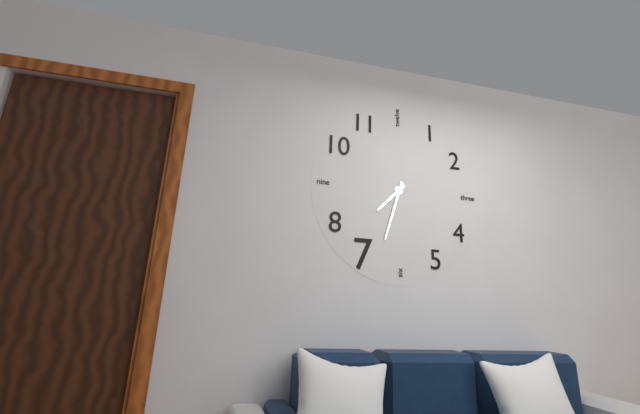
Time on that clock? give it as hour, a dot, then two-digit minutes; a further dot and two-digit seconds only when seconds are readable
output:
7.33
